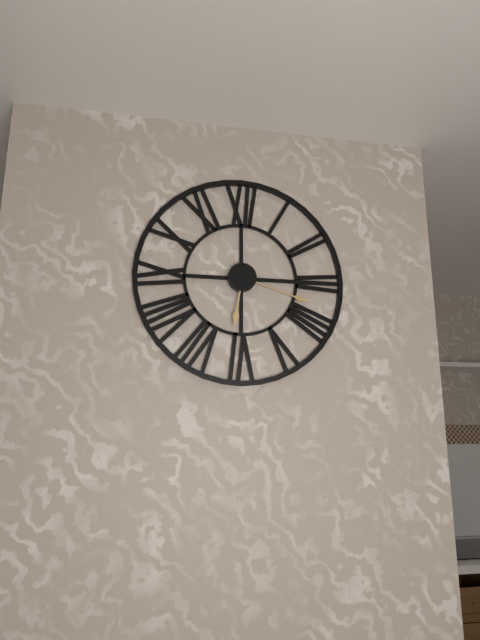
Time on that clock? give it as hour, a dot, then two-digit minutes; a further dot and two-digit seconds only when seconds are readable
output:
6.18
